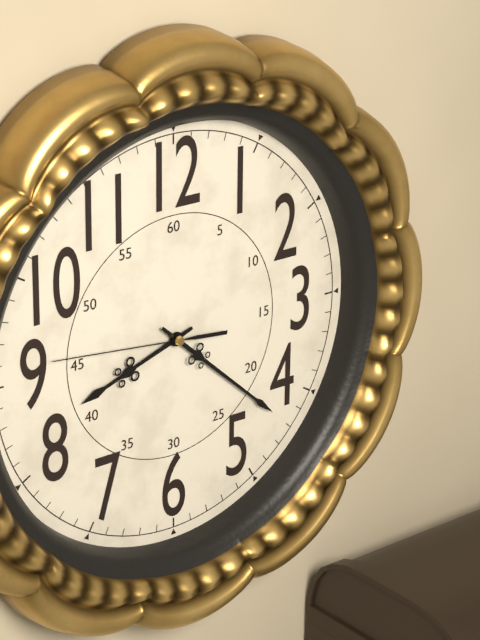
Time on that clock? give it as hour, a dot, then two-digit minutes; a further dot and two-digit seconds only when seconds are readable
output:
8.22.46
